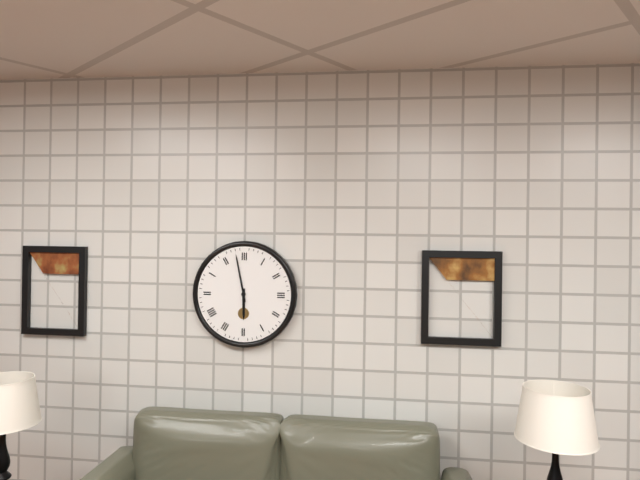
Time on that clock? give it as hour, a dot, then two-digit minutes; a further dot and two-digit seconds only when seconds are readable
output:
5.58
